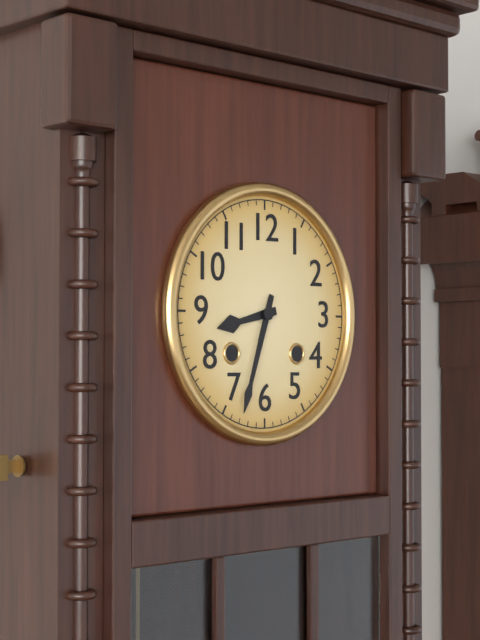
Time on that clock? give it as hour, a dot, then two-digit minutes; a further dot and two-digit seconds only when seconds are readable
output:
8.33
